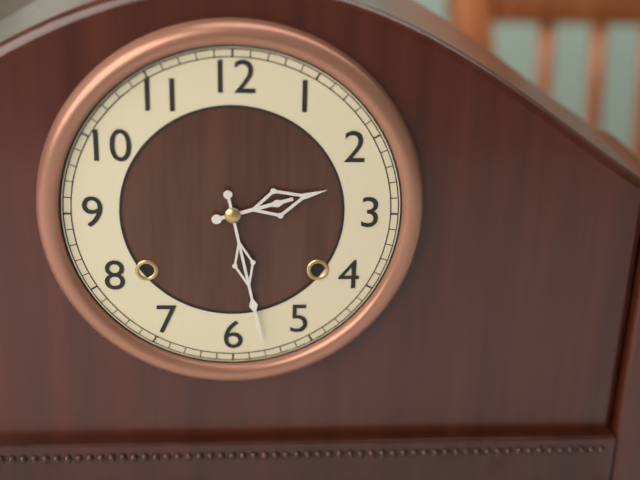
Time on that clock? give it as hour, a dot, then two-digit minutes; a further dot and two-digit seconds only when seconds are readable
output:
2.28
